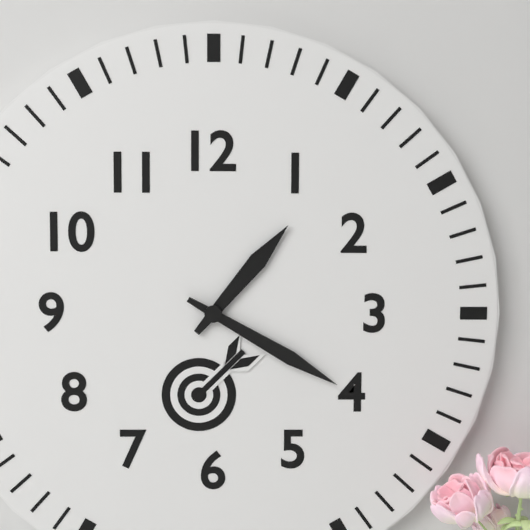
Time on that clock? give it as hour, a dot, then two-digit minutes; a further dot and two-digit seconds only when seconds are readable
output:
1.20
